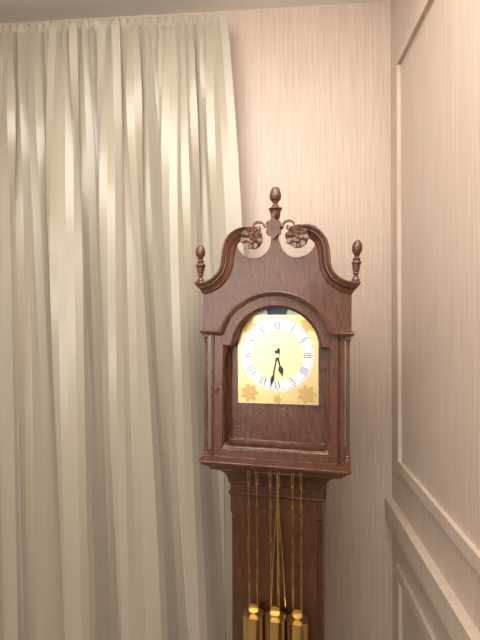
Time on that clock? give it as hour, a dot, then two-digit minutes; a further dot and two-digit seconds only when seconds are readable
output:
5.32
